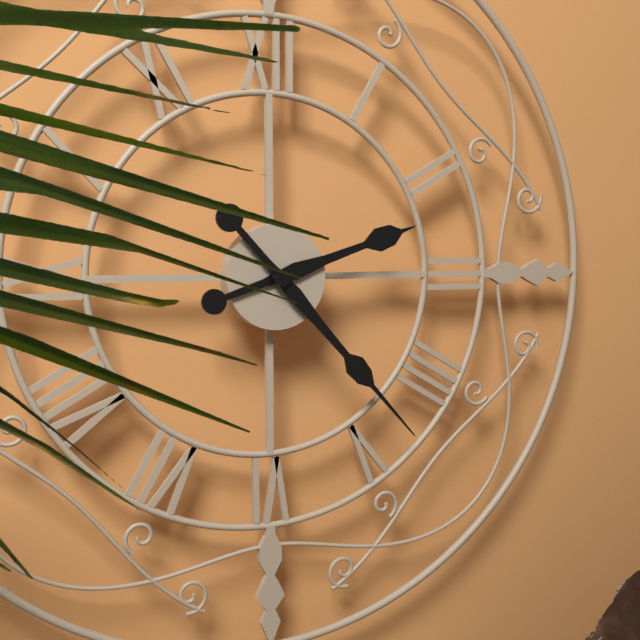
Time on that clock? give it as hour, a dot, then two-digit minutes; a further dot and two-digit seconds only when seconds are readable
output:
2.23
